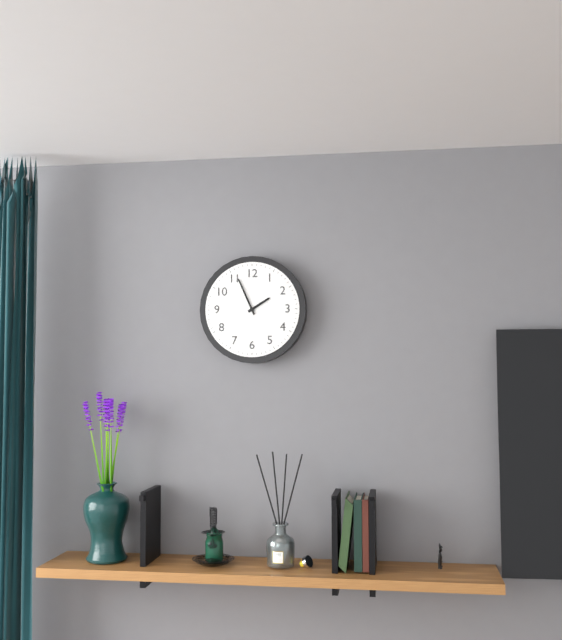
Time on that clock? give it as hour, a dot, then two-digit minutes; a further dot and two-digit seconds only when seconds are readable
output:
1.56
